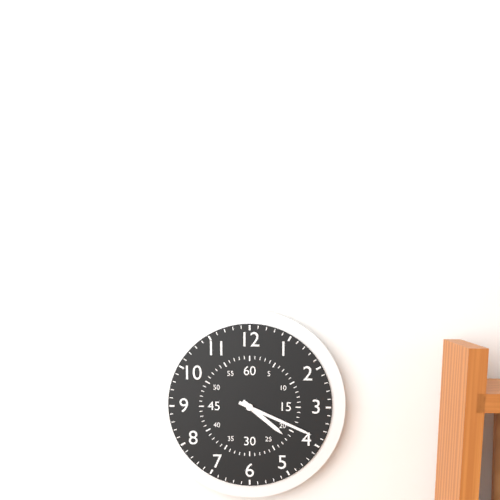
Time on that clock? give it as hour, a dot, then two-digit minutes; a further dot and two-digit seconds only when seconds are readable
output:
4.19
